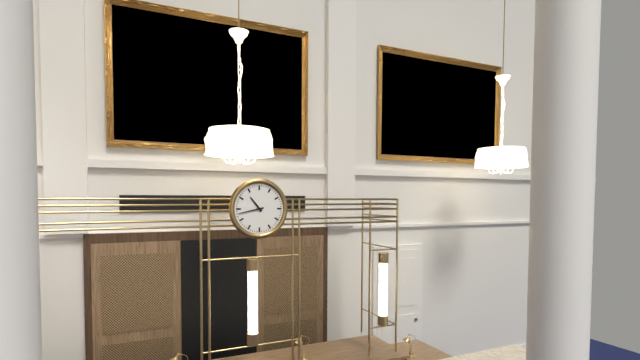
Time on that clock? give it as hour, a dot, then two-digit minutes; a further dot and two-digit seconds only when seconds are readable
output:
10.43
